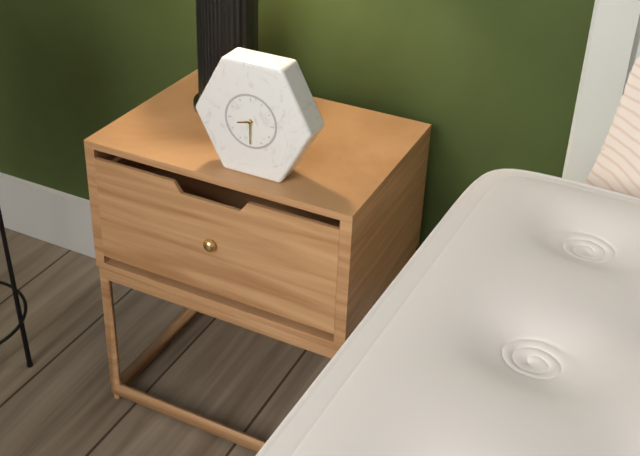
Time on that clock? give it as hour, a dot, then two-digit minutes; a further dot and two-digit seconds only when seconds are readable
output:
8.30
